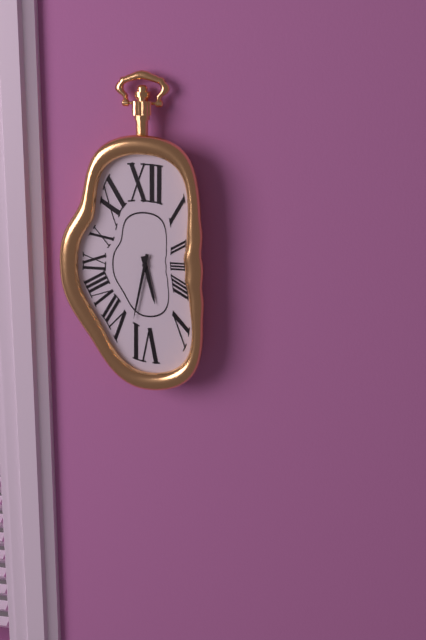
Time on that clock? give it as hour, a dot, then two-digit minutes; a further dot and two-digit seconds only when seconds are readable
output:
5.32
